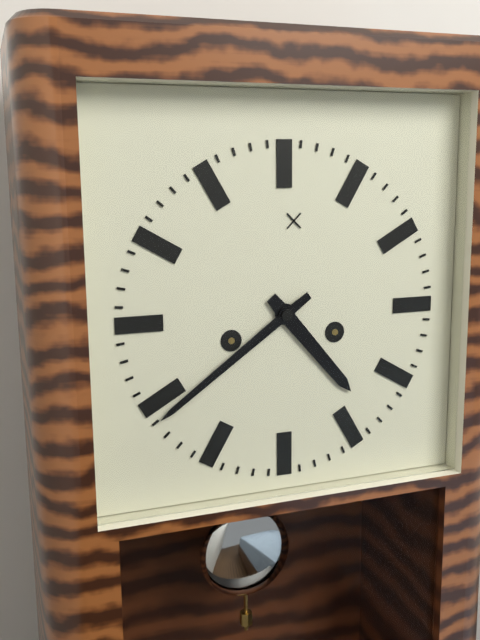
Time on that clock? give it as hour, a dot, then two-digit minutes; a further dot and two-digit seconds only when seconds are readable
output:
4.39
